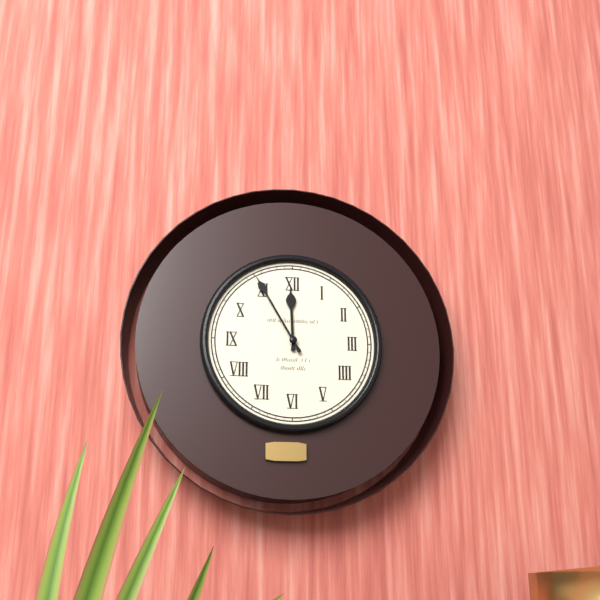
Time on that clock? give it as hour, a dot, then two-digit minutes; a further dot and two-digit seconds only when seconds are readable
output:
11.55
